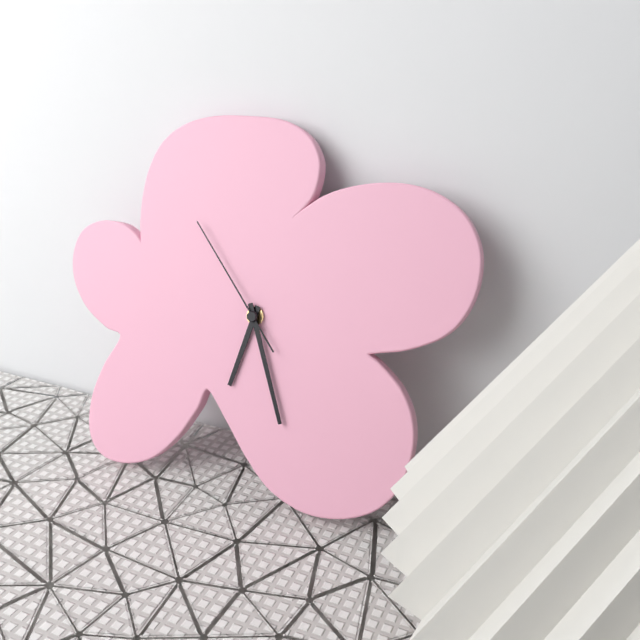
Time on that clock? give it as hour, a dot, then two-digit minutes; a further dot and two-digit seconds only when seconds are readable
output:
6.26.53
